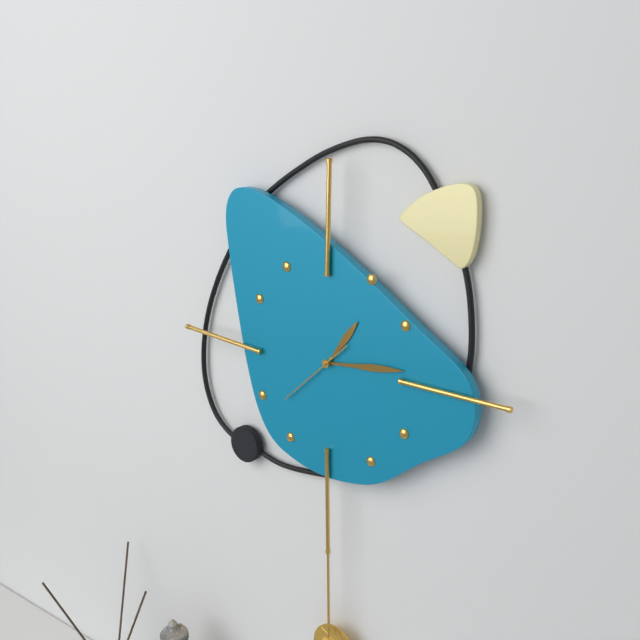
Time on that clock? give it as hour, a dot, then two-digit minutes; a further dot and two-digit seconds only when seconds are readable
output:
1.14.38
